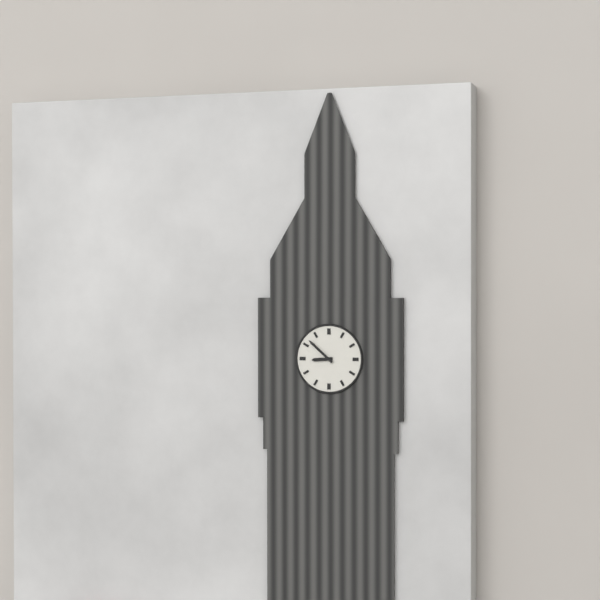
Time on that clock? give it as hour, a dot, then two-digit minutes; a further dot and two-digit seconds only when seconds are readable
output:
8.52
